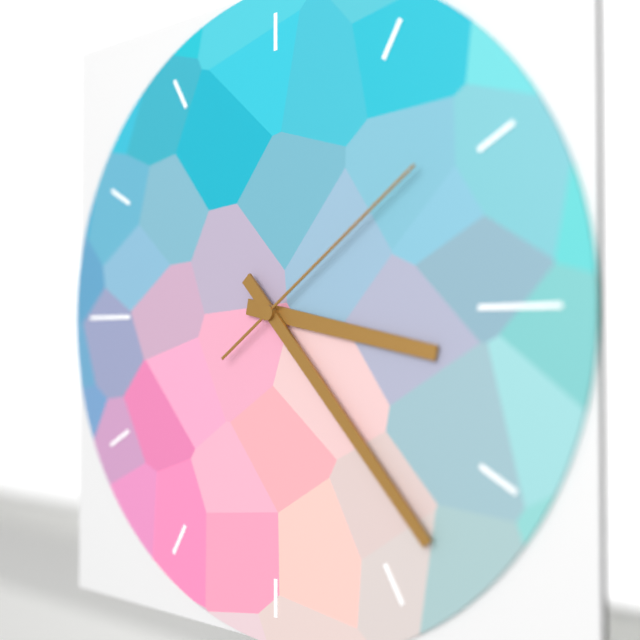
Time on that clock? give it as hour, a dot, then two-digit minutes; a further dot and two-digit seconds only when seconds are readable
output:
3.23.09
